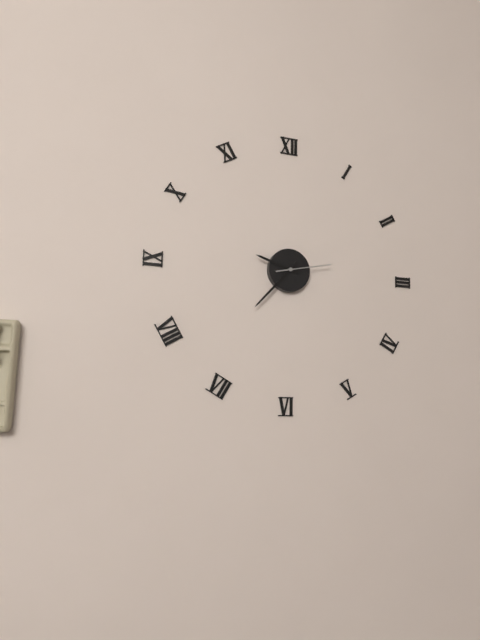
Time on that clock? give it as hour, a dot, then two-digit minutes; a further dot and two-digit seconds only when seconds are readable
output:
9.37.13
